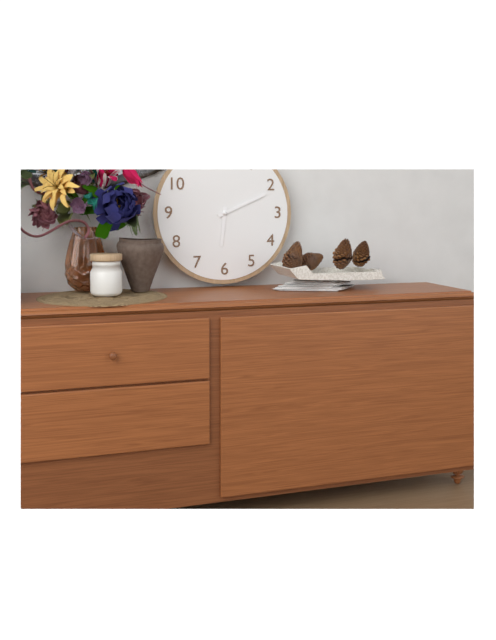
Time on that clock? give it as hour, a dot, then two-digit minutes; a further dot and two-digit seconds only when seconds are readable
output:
6.11
